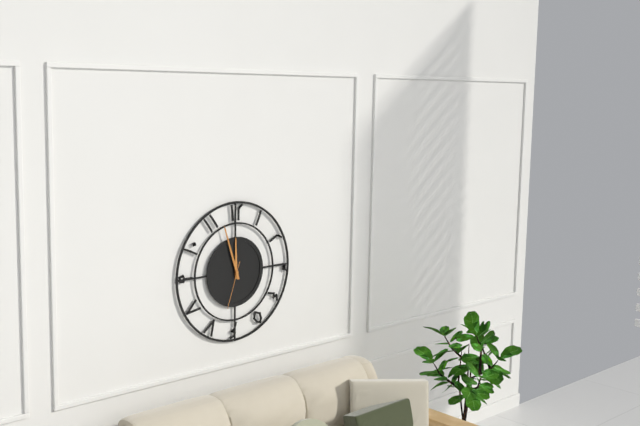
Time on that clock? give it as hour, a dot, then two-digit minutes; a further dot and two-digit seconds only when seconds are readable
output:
11.57
